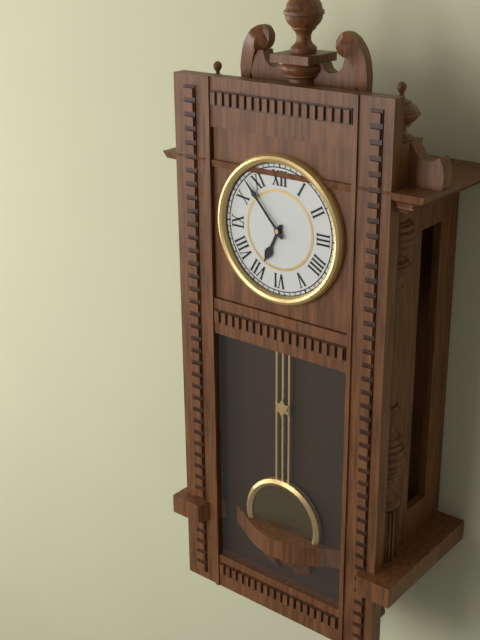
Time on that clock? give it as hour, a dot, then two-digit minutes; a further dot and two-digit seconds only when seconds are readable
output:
6.53
